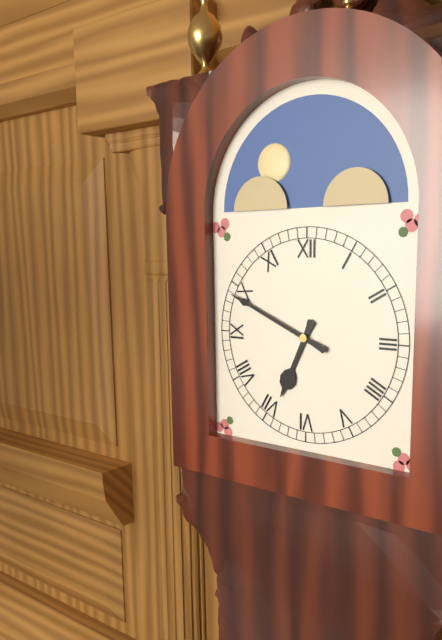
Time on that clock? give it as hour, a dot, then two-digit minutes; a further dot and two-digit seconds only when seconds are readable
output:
6.49
